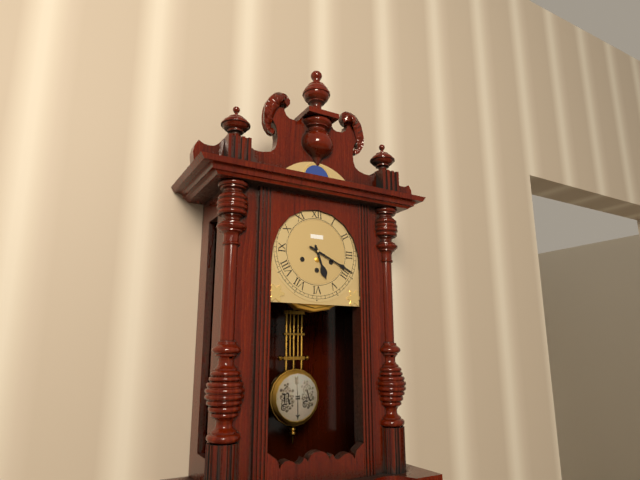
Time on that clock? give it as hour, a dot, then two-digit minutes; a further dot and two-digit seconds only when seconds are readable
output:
5.19
